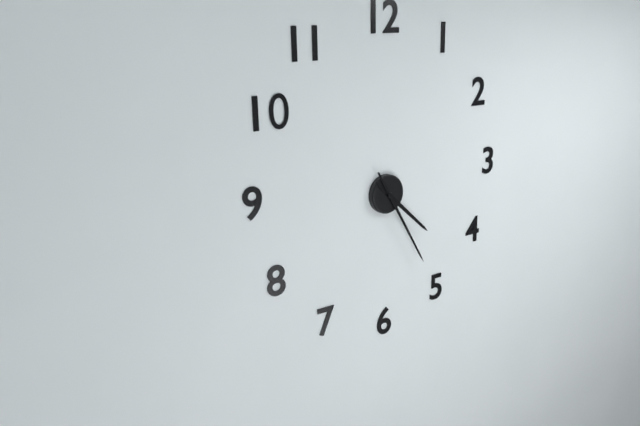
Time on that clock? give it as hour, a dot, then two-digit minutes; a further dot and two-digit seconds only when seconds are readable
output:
4.25
